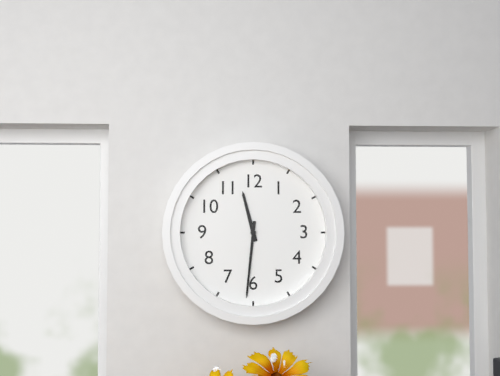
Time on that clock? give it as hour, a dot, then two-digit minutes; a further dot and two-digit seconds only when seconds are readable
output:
11.31
